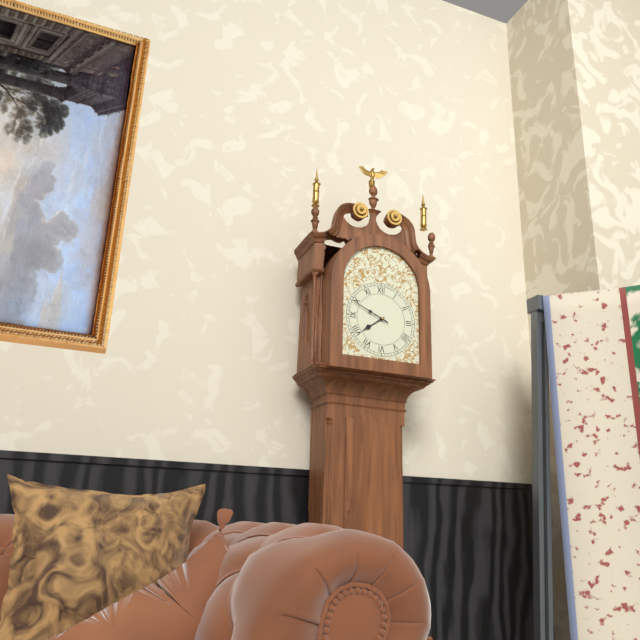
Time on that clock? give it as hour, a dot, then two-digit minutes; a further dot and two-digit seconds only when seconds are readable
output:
7.49
